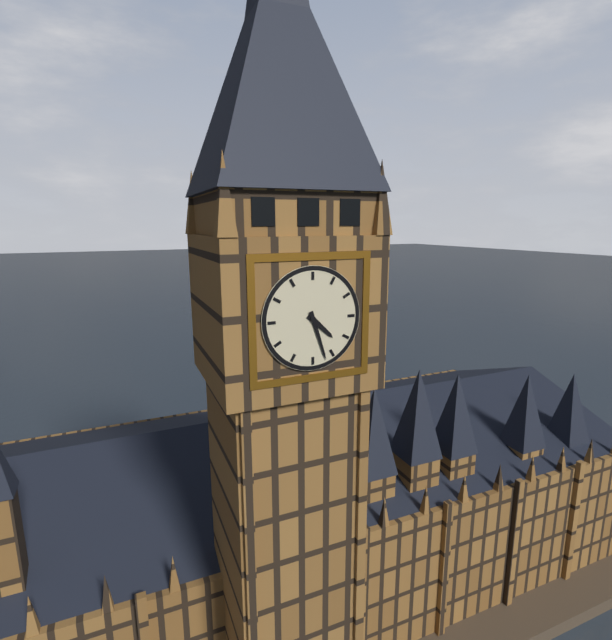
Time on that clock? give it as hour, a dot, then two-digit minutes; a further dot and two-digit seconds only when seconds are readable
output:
4.27
